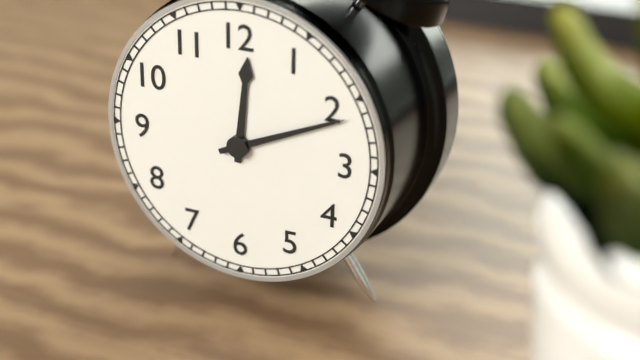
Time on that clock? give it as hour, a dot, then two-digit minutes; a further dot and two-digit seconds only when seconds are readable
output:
12.11
